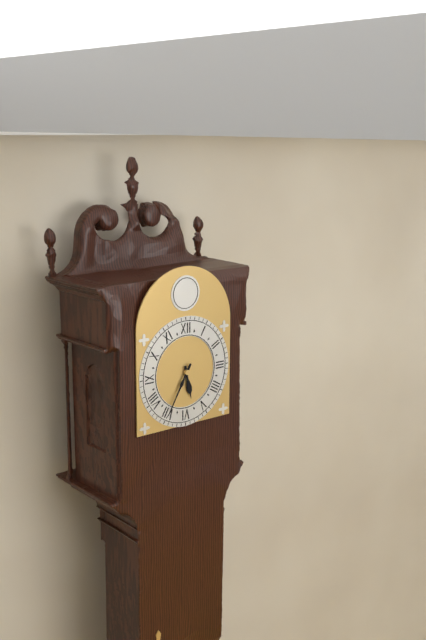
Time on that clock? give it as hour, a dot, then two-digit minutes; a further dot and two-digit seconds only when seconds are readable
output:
5.35
